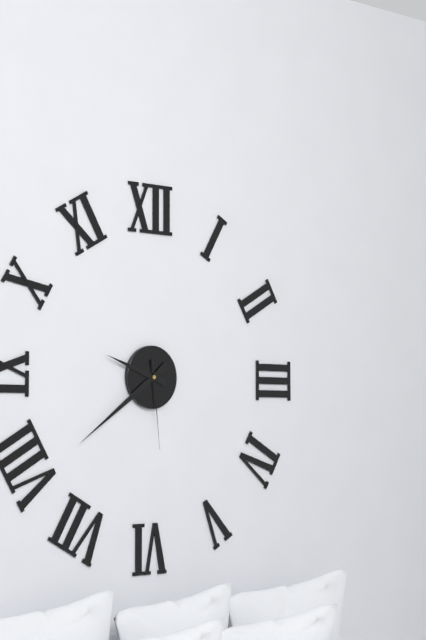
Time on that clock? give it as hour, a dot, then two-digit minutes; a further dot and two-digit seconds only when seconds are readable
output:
9.39.29
